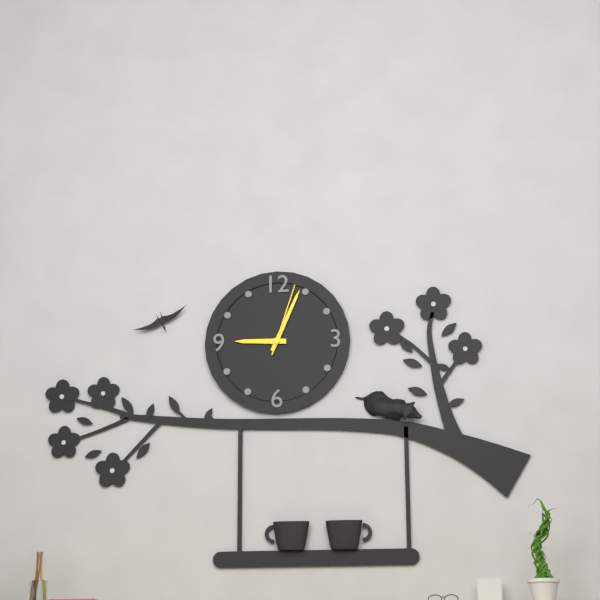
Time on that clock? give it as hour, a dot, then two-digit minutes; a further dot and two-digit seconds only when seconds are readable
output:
9.04.03
